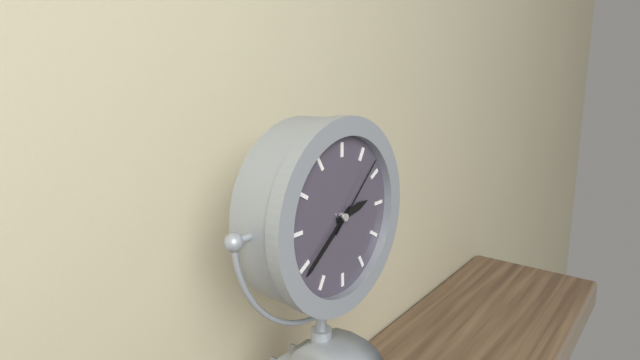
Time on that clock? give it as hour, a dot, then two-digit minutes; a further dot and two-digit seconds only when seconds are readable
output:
2.39.08
